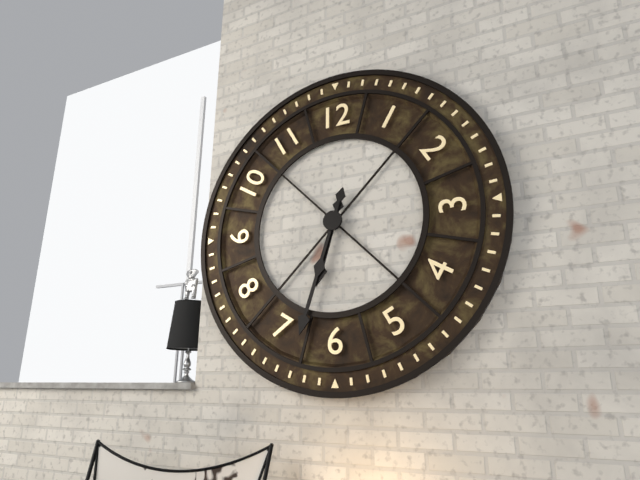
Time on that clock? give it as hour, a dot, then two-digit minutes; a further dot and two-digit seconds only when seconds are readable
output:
6.33
